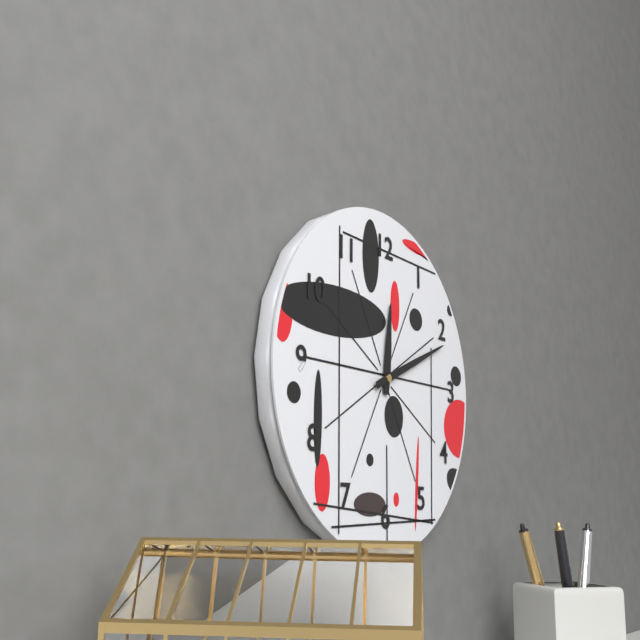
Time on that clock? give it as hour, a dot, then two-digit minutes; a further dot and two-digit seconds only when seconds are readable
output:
12.11
